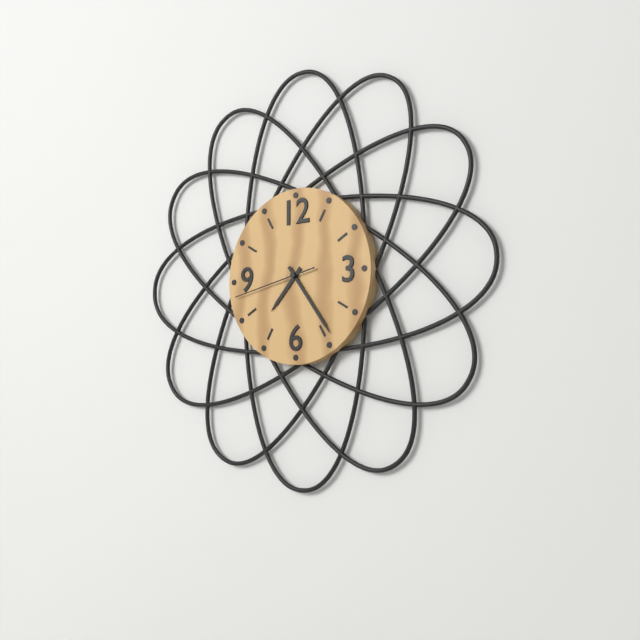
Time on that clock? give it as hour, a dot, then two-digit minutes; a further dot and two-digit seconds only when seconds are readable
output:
7.24.43
